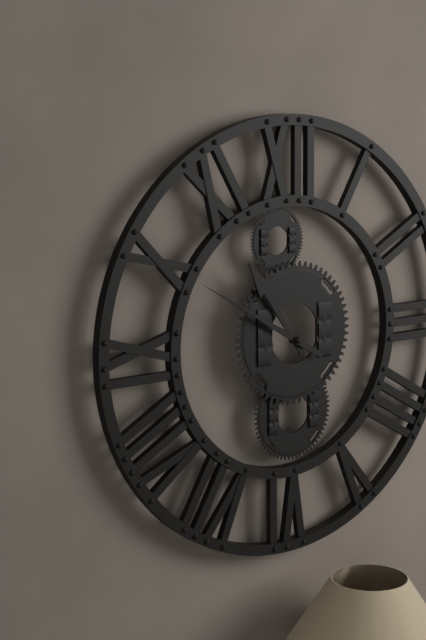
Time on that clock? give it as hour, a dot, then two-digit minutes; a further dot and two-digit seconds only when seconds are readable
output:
10.50
